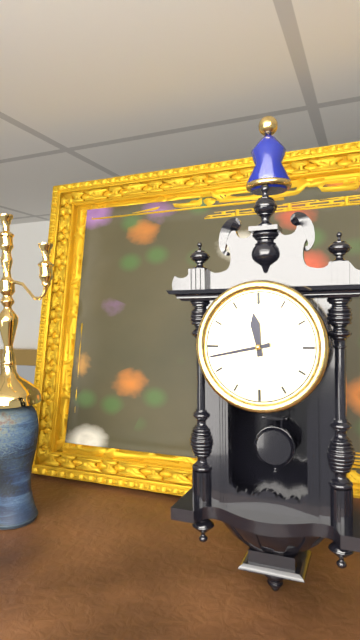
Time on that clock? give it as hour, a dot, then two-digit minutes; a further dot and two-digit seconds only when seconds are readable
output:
11.43
